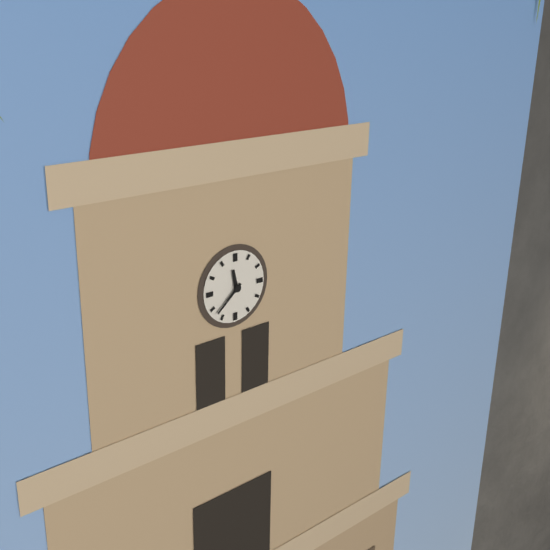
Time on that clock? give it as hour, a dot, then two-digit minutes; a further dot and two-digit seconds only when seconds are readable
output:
11.38
